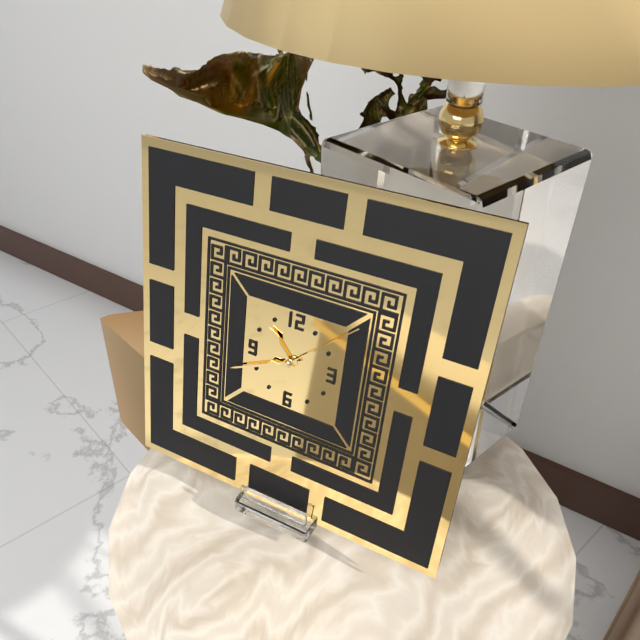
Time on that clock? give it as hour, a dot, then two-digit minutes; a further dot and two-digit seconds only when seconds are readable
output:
10.41.08
